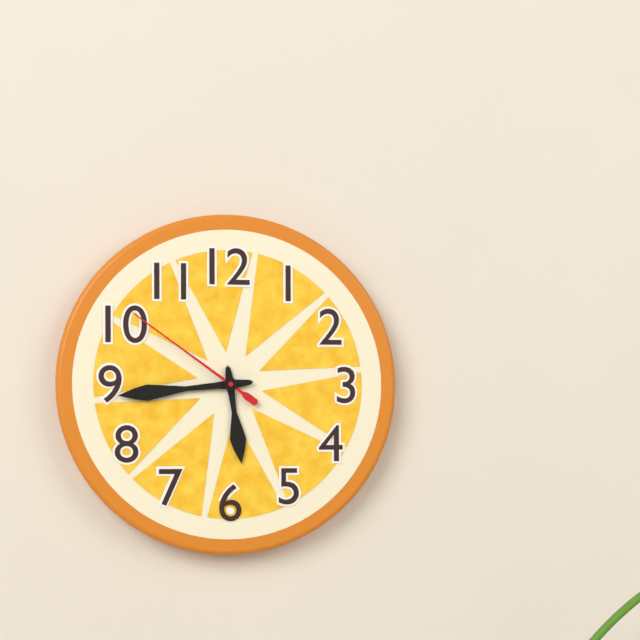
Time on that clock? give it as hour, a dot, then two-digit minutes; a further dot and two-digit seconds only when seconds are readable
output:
5.44.51
